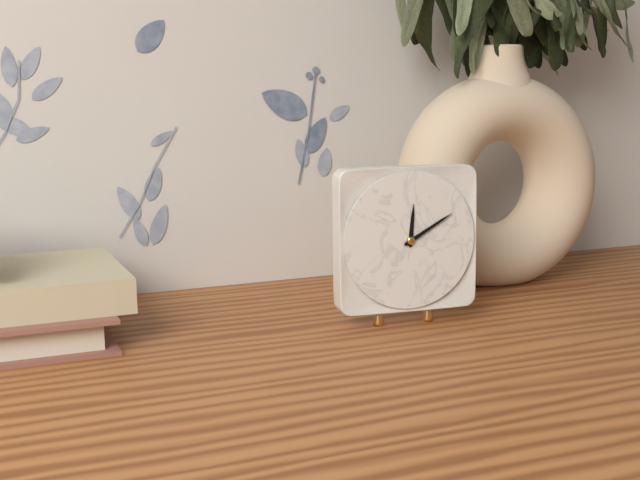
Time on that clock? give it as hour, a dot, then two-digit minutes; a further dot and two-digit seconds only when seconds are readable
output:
12.10
